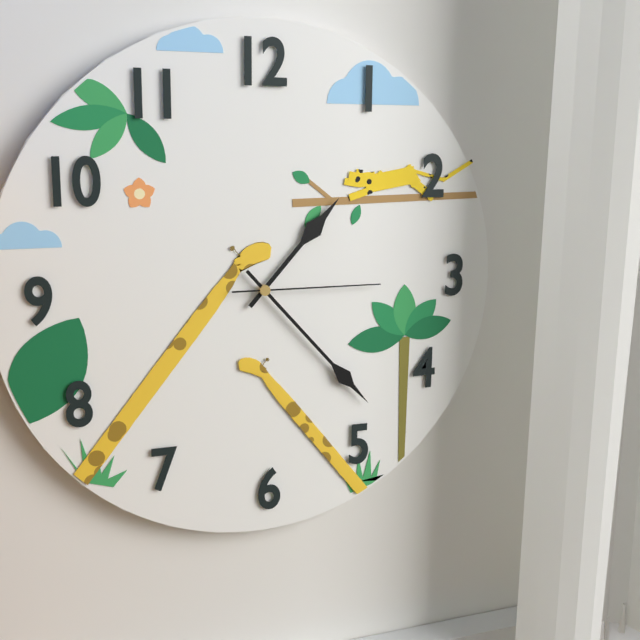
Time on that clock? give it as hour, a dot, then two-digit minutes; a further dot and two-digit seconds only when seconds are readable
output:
1.23.15
